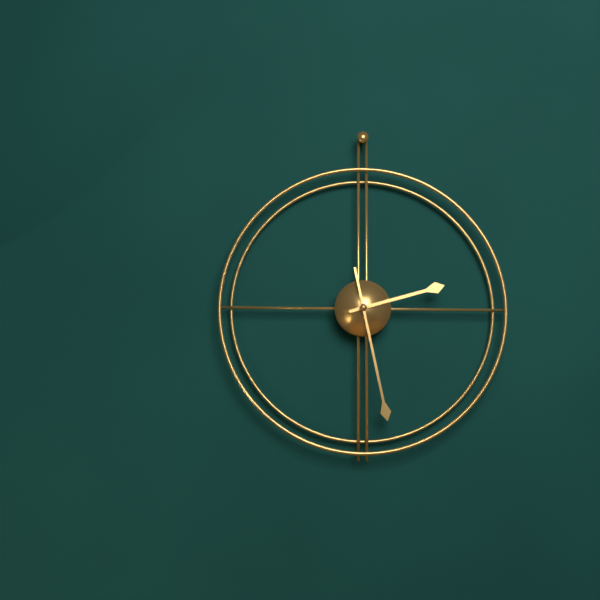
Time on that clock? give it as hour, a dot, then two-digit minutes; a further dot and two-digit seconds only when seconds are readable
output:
2.28
